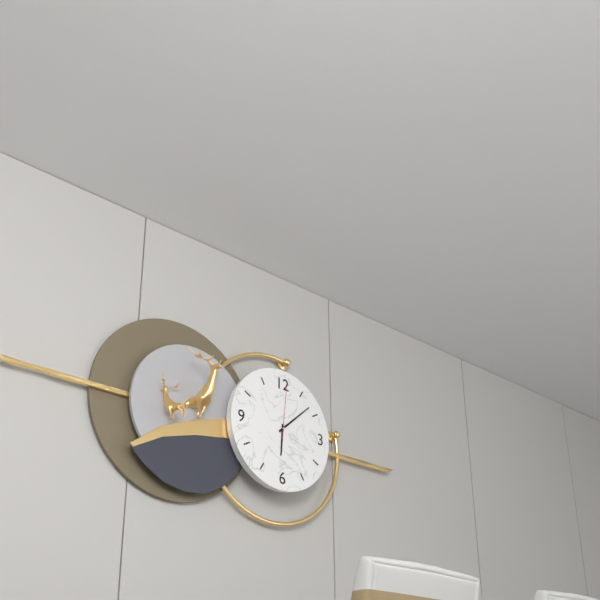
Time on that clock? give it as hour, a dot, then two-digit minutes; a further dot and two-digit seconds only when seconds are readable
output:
6.08.01
